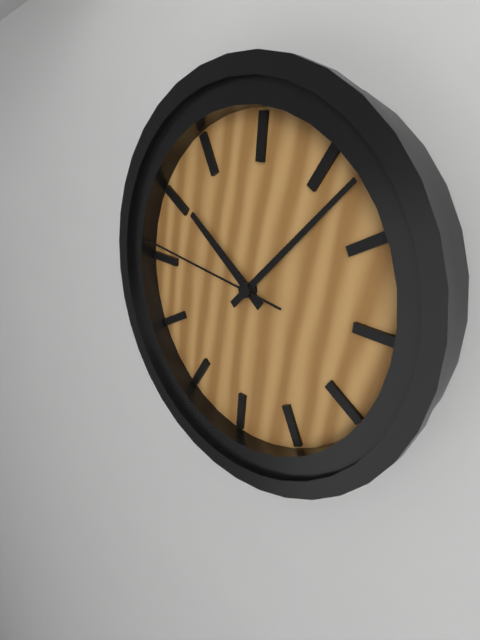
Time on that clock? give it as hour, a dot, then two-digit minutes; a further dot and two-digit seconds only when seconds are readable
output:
10.07.46
